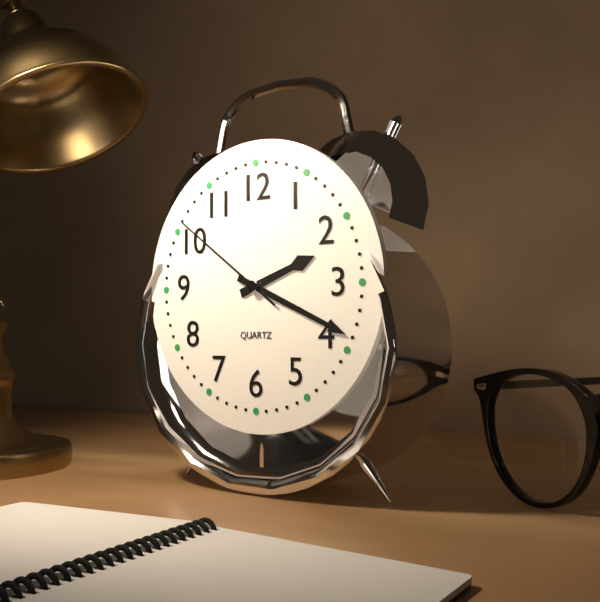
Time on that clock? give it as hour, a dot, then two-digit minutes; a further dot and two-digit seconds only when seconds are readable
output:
2.19.51
